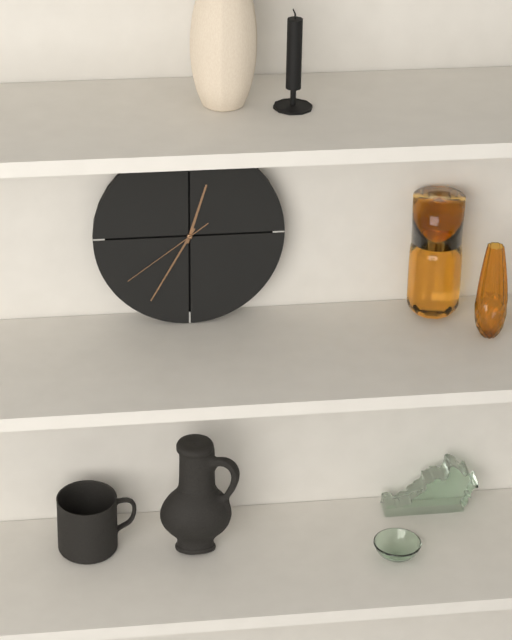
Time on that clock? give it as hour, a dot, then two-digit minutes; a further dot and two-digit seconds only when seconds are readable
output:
12.35.39
